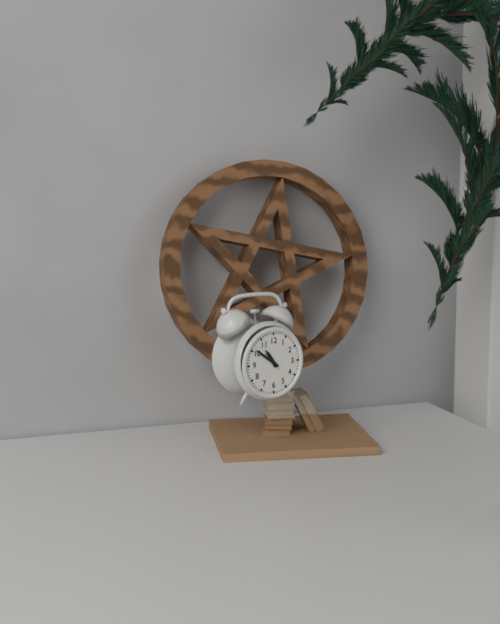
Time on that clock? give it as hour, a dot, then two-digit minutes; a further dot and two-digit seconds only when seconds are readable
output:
10.51
